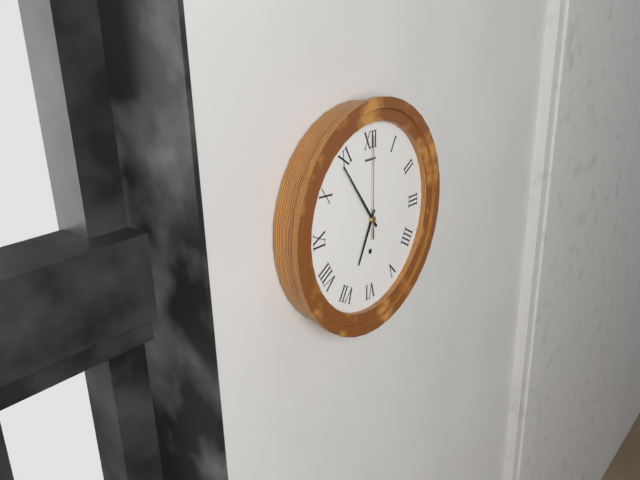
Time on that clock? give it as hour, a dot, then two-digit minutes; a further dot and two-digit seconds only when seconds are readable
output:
6.54.00
